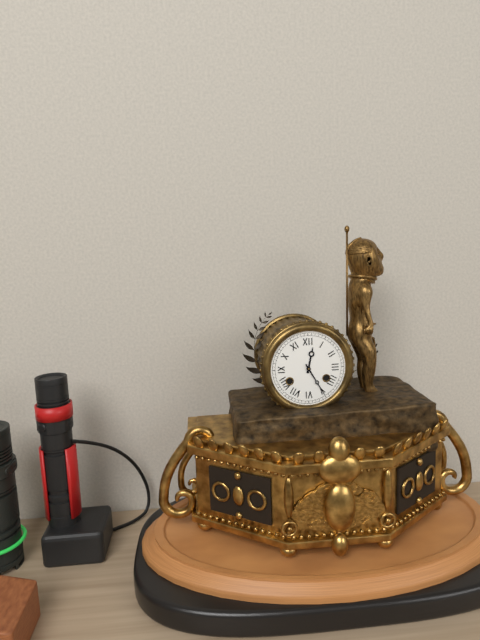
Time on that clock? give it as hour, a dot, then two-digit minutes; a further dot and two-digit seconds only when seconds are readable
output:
12.25
